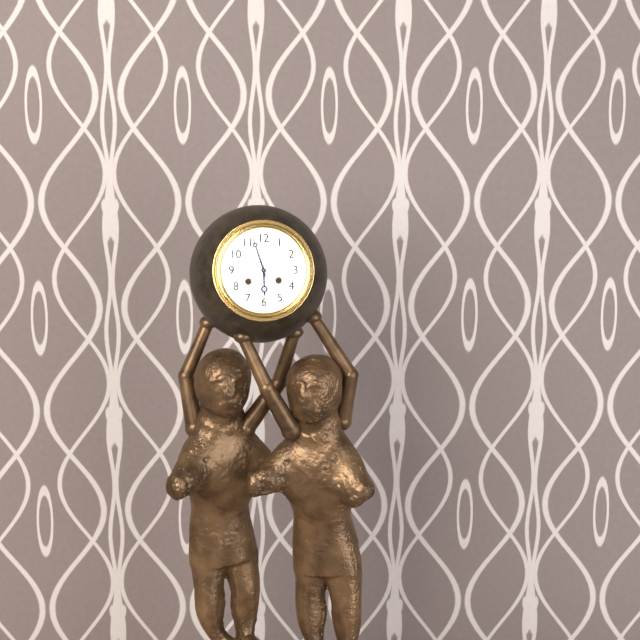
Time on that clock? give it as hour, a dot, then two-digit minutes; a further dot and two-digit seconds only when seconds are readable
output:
5.57
